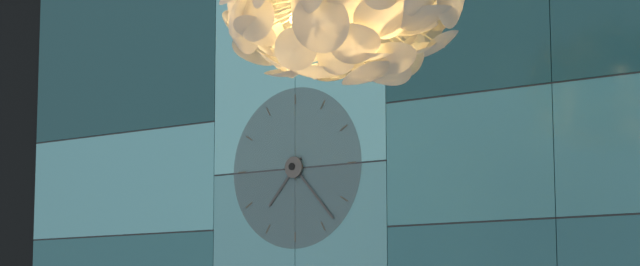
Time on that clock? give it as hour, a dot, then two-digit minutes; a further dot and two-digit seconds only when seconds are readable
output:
7.23
